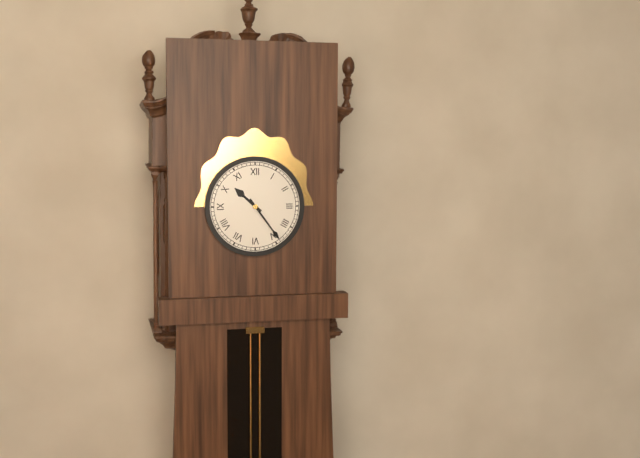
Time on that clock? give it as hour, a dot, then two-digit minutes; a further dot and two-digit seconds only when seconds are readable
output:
10.24
